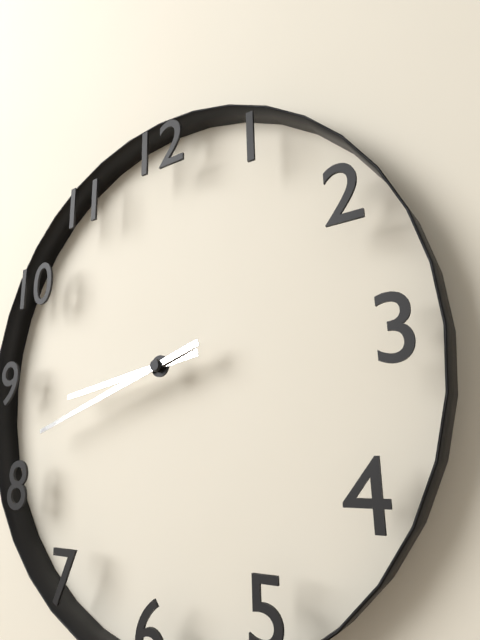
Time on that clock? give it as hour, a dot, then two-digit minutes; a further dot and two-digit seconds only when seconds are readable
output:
8.42
